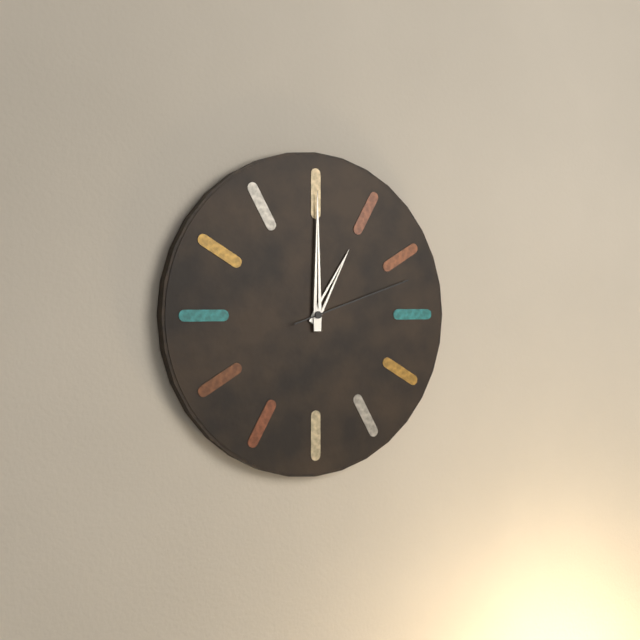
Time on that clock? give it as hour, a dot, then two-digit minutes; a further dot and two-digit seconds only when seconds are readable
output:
1.00.12
